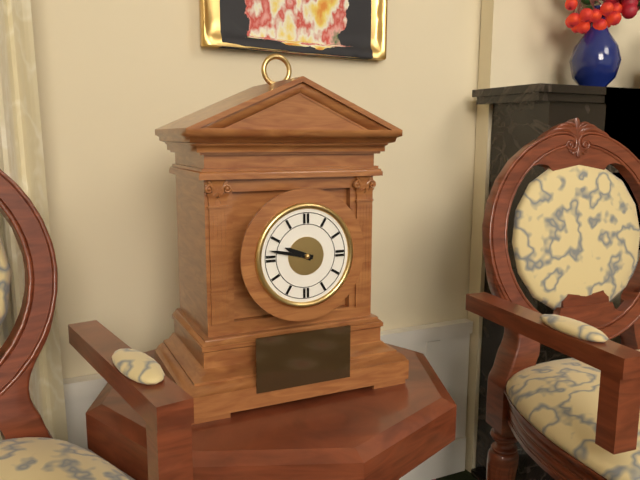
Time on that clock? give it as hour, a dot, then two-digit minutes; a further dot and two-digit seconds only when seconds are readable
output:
9.47
